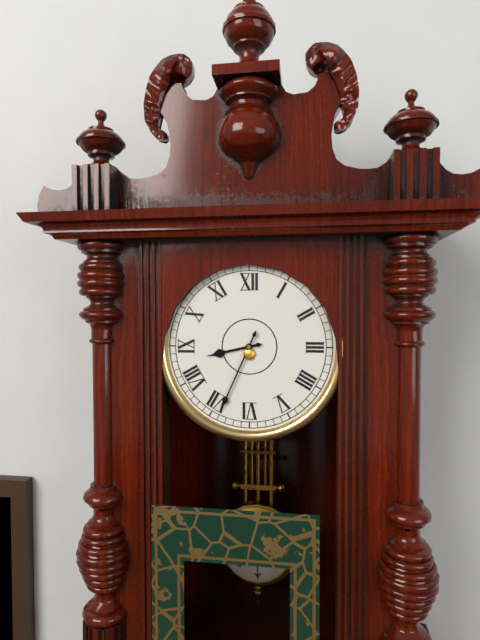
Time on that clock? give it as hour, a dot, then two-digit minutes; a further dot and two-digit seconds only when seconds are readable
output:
8.34
